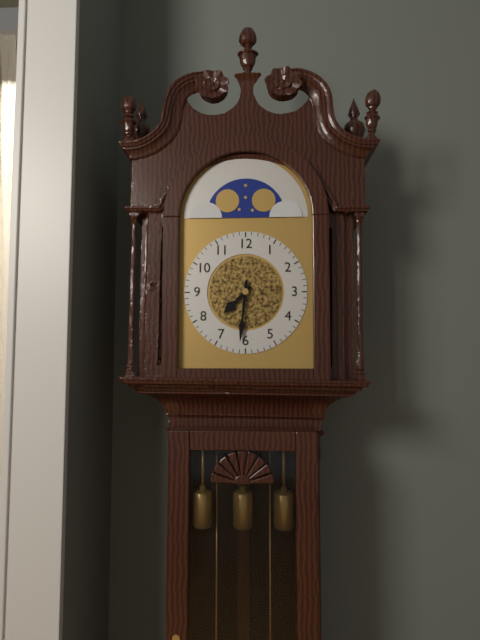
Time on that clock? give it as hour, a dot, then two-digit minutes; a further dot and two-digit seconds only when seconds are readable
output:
7.31
